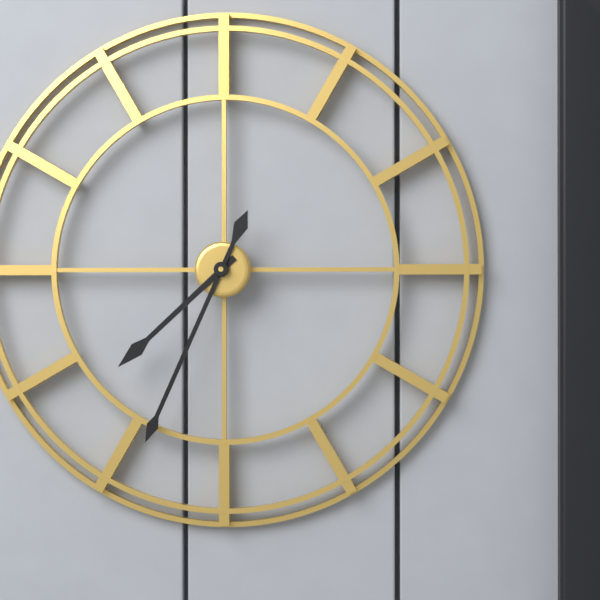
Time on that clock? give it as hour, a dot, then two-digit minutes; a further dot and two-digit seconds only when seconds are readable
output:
7.34
